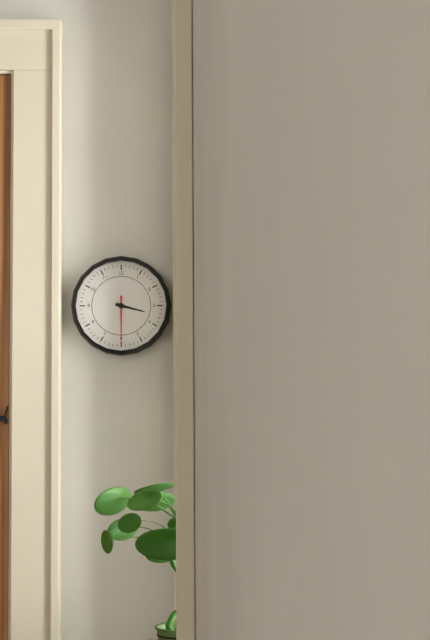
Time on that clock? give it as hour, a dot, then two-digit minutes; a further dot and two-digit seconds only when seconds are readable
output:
3.30
